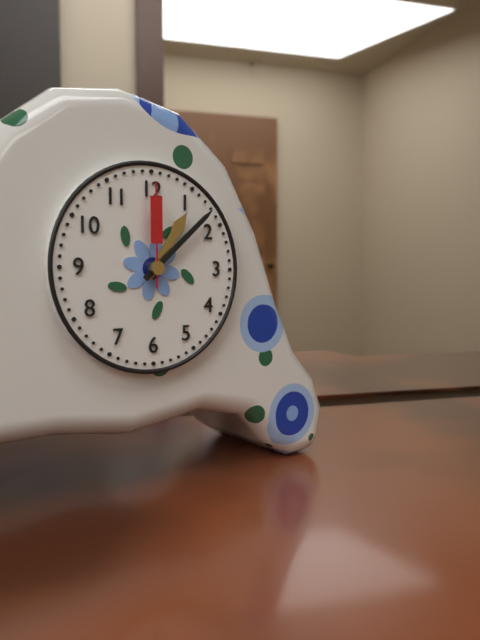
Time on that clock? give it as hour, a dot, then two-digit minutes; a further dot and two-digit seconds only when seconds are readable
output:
1.08.00
